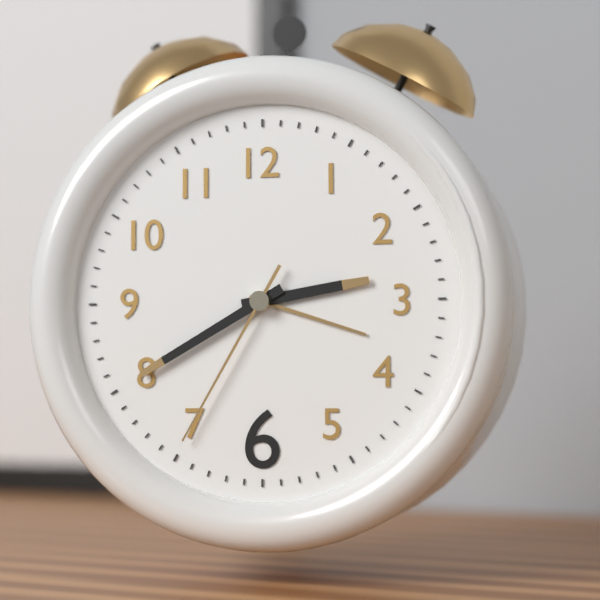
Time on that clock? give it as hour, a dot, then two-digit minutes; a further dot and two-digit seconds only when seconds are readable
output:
2.40.35
